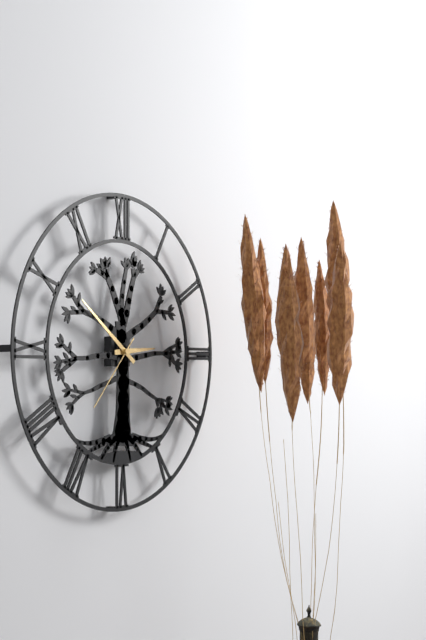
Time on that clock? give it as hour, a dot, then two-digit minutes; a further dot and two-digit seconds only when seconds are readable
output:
2.51.37
